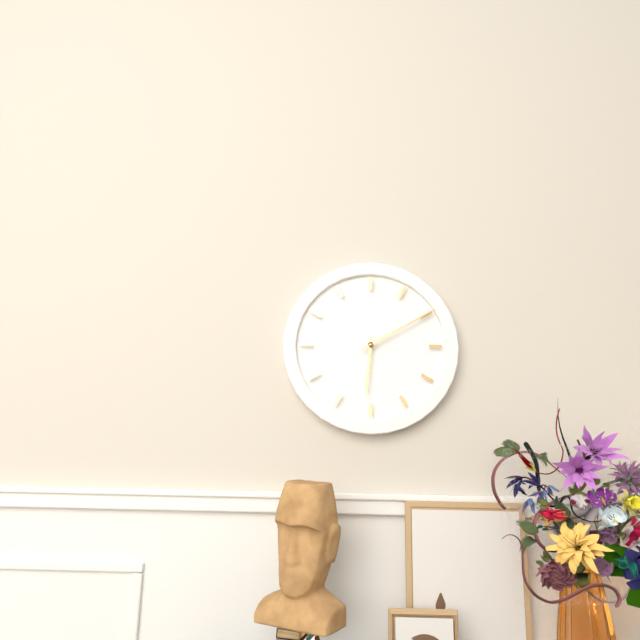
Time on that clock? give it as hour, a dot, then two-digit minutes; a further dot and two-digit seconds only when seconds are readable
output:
6.10
